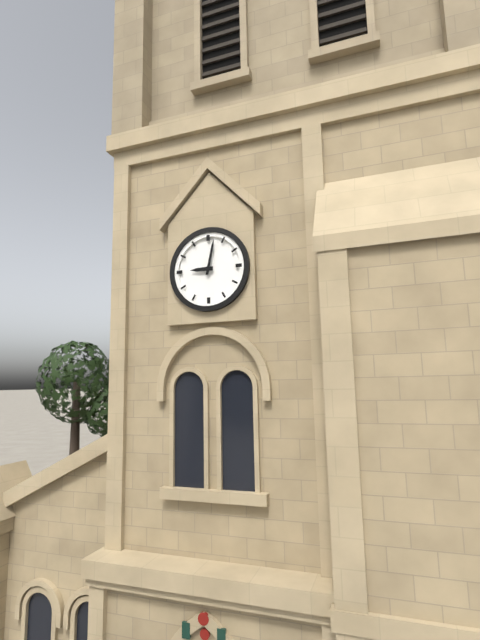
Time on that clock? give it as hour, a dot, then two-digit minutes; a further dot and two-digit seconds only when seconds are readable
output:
9.02
